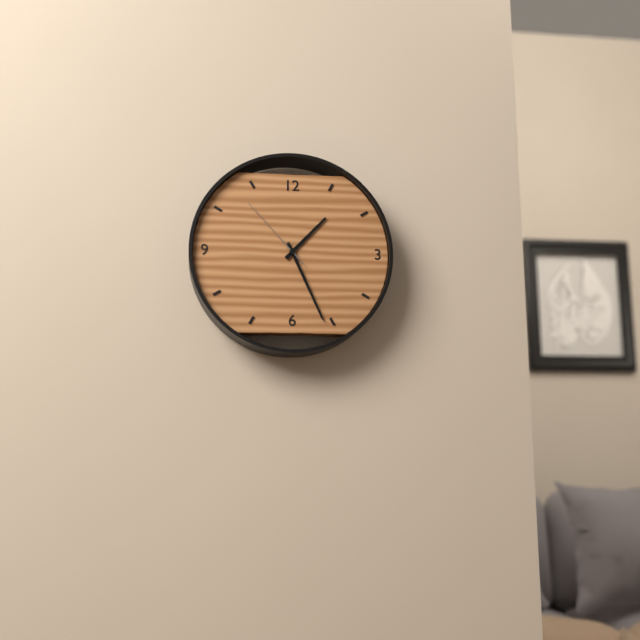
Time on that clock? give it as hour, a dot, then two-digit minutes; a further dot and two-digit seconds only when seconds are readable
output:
1.26.53
